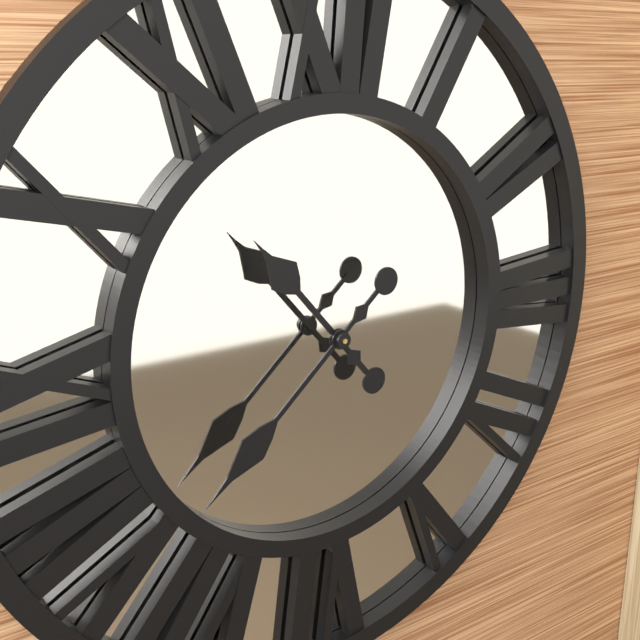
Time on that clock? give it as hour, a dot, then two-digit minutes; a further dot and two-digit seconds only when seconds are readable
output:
10.38
